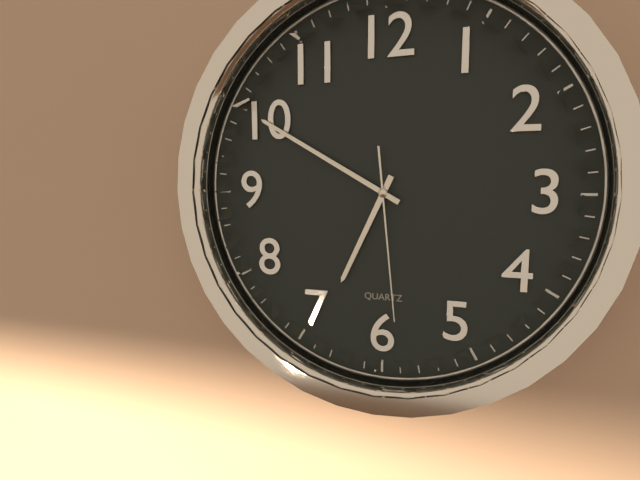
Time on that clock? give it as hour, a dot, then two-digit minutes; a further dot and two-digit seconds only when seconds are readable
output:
6.50.29
